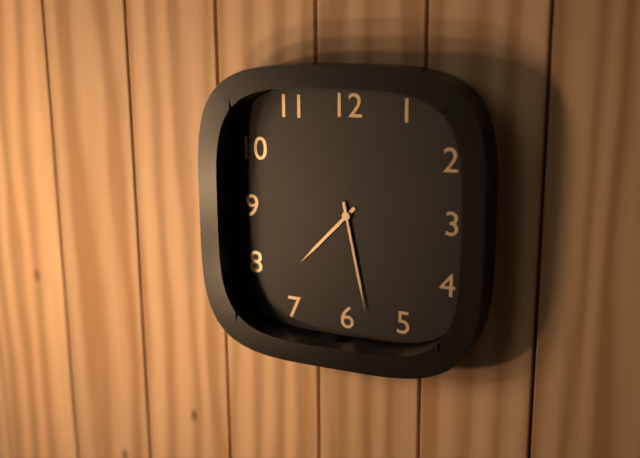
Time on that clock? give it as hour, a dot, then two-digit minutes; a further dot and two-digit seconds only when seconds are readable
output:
7.28
